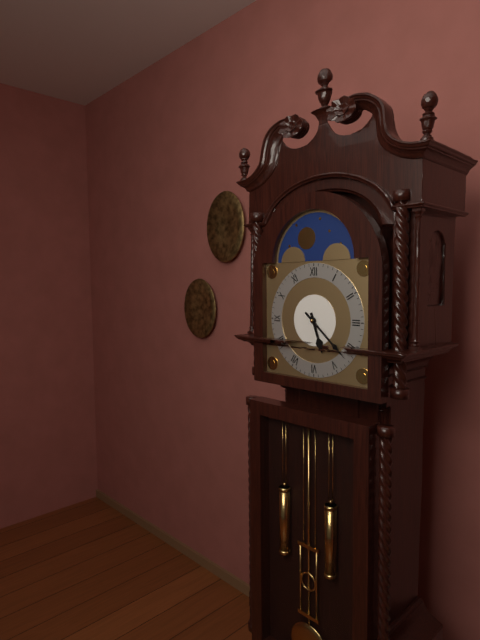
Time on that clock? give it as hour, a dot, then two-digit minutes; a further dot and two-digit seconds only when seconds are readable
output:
5.22
